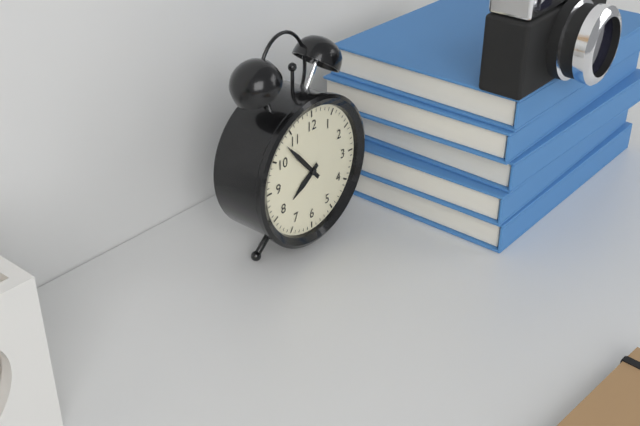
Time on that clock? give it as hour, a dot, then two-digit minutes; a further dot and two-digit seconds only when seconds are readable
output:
7.53
